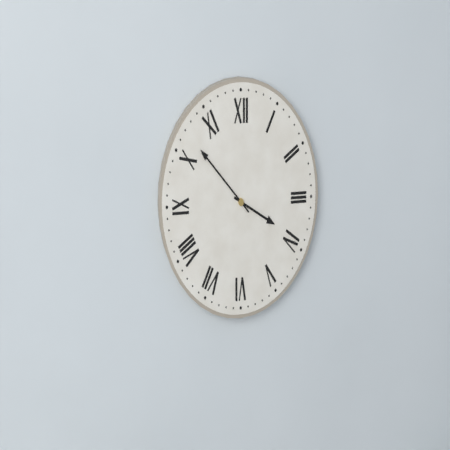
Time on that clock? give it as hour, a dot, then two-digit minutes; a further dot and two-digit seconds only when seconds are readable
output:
3.52
